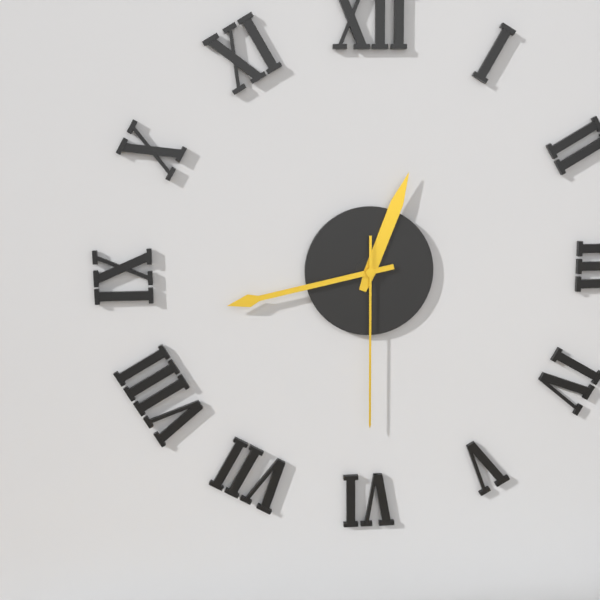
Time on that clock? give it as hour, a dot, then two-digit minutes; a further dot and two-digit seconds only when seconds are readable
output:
12.43.30
